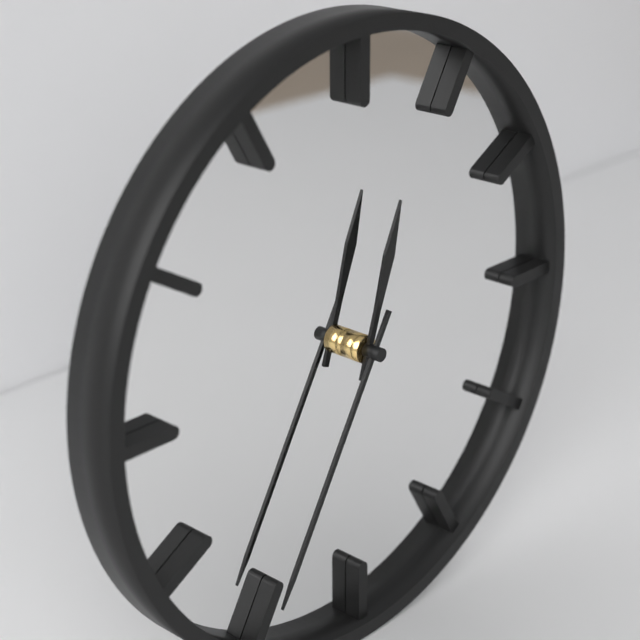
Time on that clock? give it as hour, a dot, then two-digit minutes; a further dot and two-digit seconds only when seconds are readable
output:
12.35
